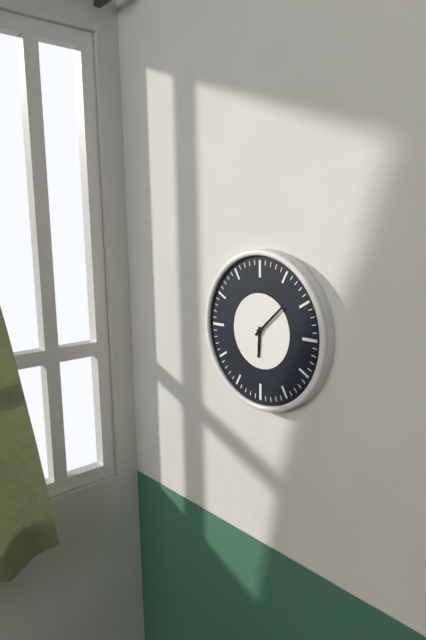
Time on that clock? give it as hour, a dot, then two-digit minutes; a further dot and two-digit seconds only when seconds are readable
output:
6.08
